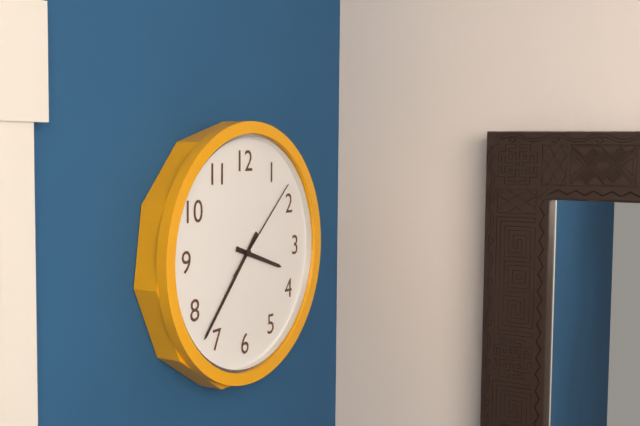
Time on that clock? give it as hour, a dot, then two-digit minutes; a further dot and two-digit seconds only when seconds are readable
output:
3.37.08
